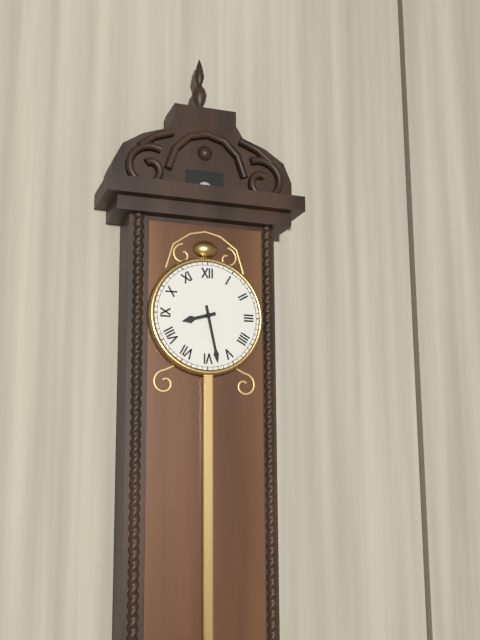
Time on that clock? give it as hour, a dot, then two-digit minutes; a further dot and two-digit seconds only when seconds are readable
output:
8.28
